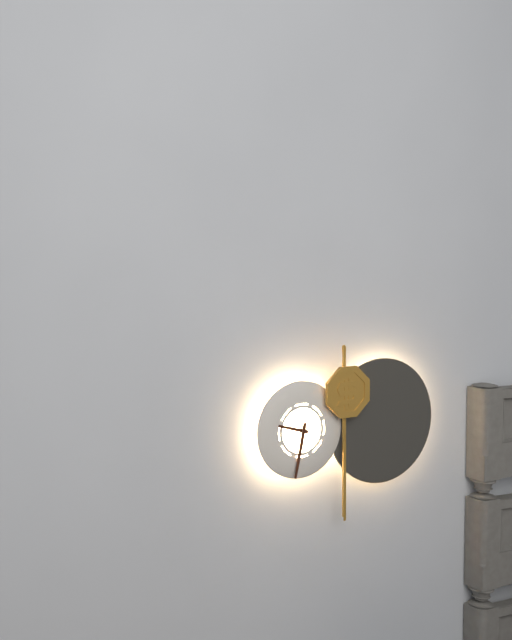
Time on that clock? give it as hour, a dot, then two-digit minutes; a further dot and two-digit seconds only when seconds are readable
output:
9.32
